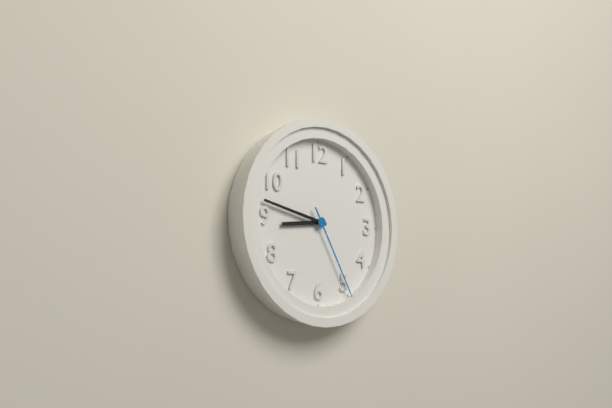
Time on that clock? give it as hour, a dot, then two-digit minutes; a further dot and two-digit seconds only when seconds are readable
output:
8.47.25
